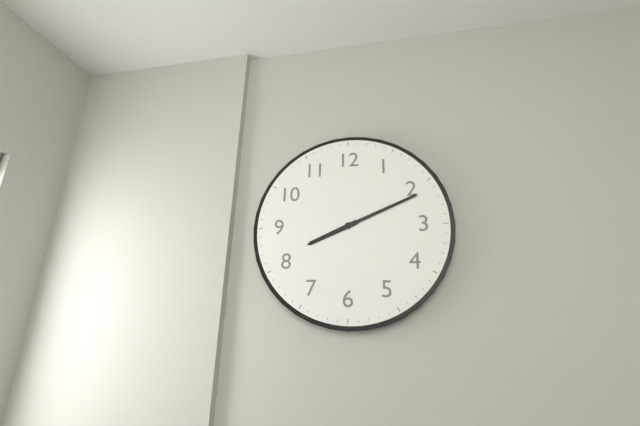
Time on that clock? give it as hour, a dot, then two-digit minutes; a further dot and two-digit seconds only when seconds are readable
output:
8.11
